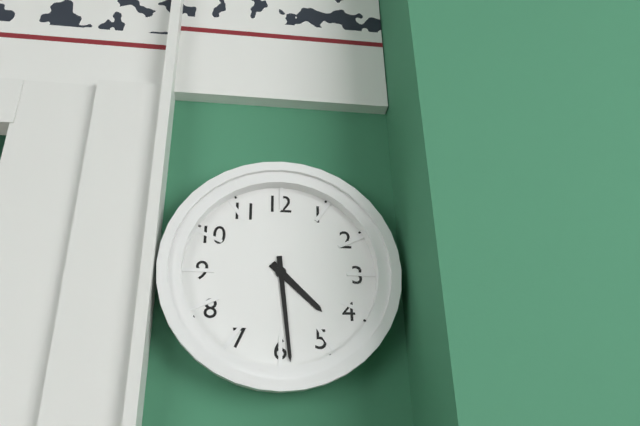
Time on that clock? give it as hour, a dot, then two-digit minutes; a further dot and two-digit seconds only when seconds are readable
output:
4.29
